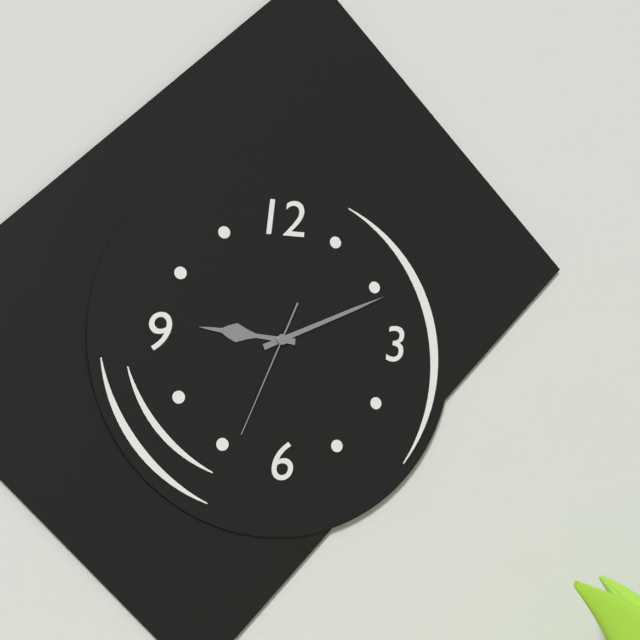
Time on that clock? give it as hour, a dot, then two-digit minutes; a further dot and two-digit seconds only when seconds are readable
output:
9.11.34
